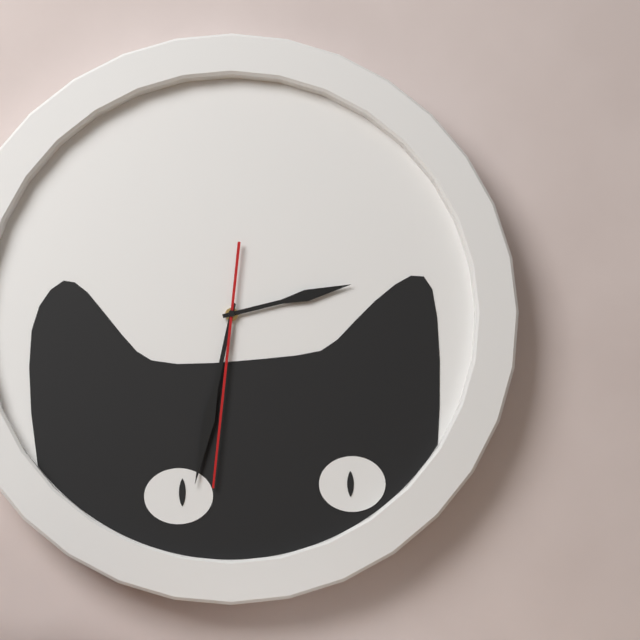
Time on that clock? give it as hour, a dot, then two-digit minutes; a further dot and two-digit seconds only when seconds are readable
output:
2.32.31
